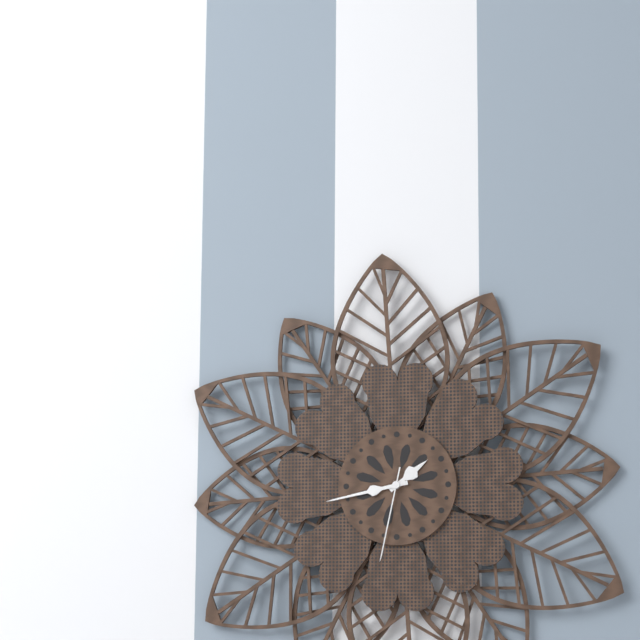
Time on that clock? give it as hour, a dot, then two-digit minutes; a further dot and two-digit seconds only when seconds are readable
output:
1.43.32
